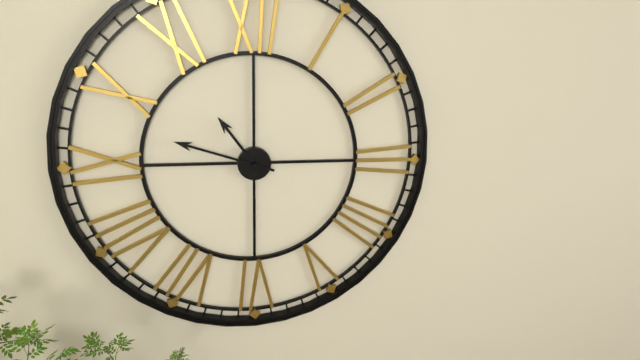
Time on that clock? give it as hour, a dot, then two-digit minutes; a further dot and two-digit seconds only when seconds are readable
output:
10.48
